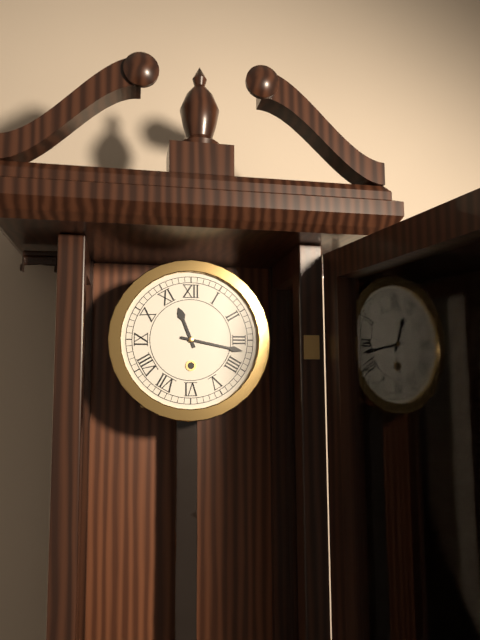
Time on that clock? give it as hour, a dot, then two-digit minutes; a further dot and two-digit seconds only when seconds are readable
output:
11.17
